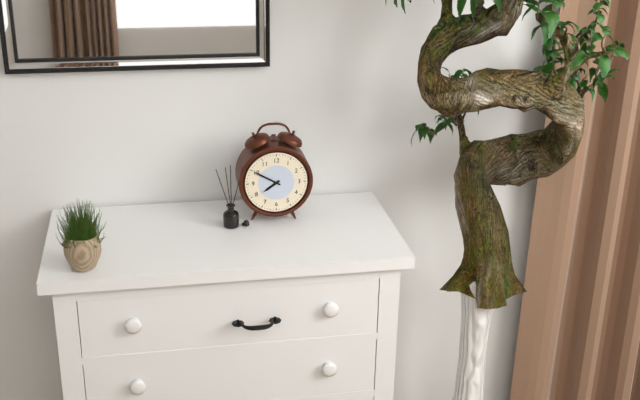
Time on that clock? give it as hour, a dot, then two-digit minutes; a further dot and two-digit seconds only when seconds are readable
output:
7.50
